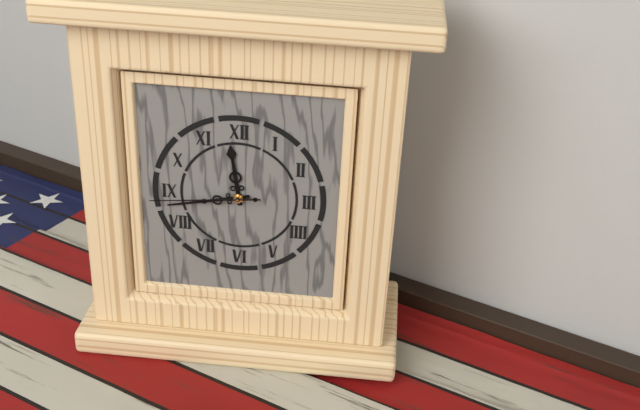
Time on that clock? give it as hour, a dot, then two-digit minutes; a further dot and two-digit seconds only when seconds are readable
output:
11.43.44
